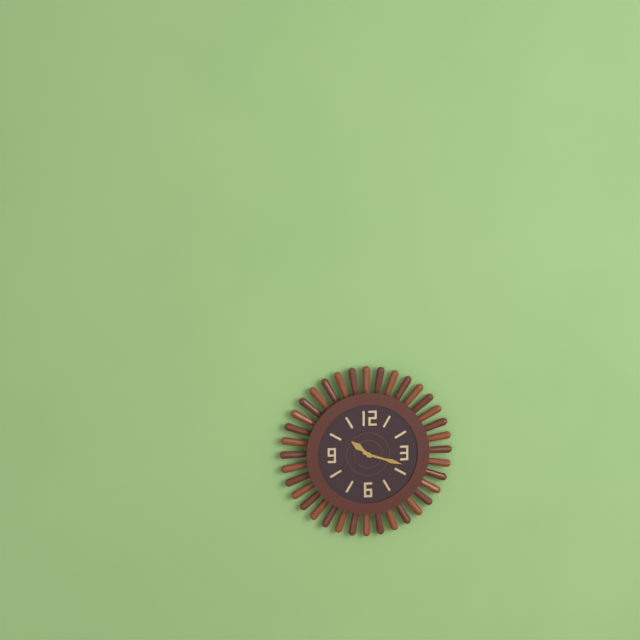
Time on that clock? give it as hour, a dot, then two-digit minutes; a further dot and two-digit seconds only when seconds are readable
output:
10.18
